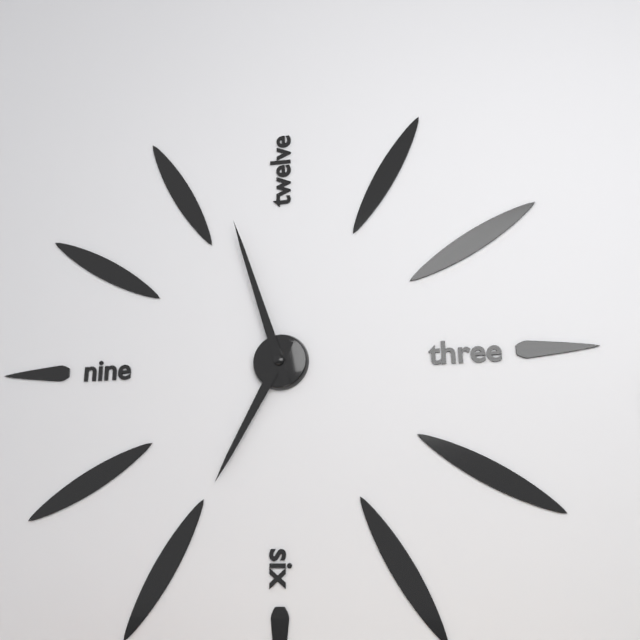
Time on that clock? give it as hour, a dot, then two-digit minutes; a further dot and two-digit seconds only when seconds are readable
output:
6.57
